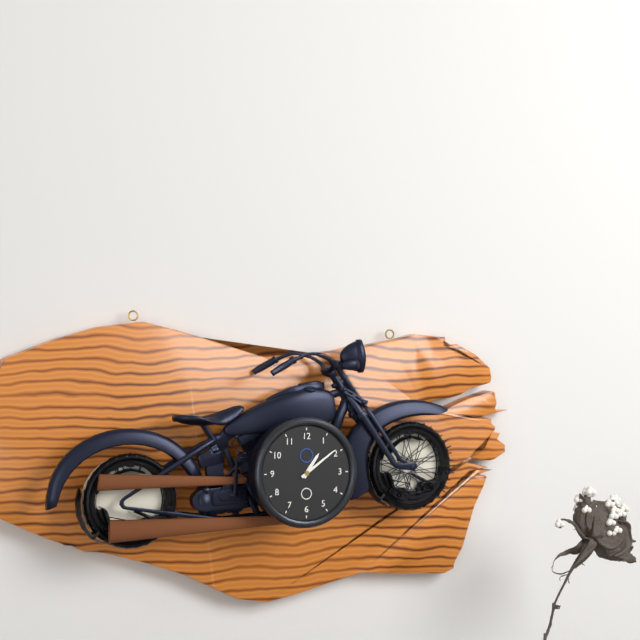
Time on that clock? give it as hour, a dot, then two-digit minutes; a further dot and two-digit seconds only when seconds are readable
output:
1.09
